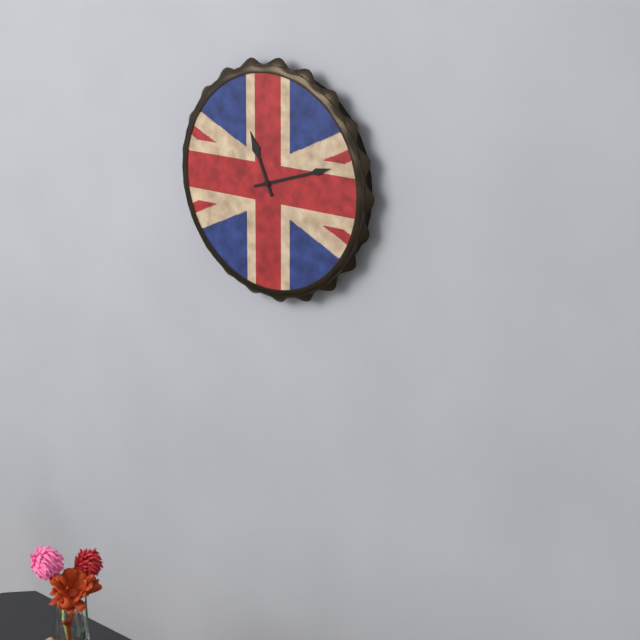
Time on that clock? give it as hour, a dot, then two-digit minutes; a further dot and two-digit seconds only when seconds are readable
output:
11.12
